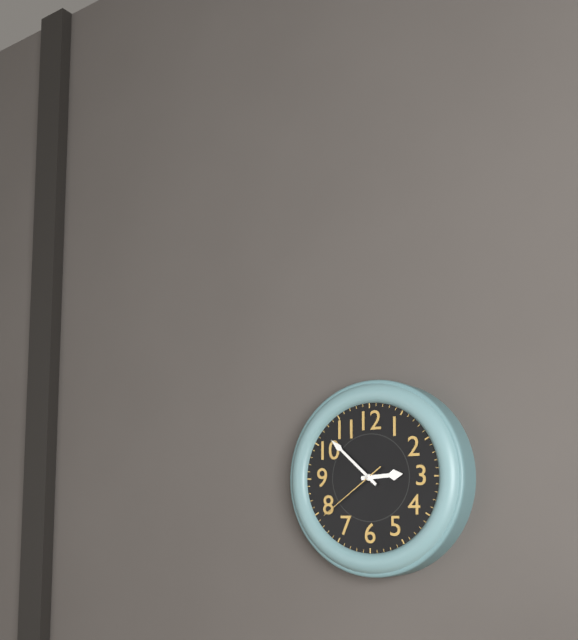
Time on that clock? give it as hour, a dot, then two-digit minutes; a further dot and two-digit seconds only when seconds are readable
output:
2.52.39
